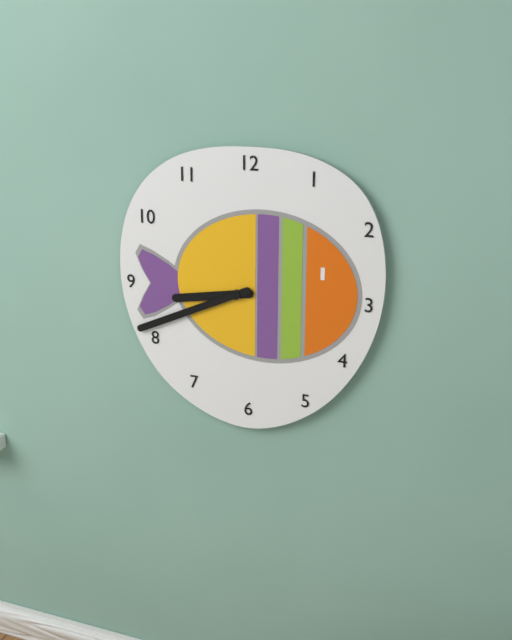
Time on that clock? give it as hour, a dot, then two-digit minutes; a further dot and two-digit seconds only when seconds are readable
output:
8.41
